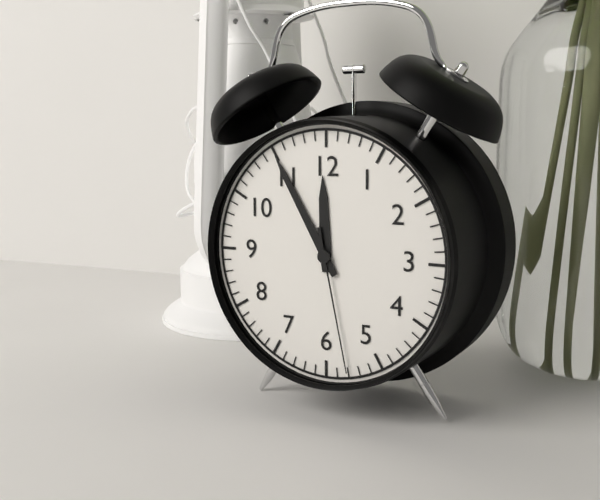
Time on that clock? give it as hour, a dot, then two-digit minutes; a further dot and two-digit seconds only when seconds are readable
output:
11.55.28
